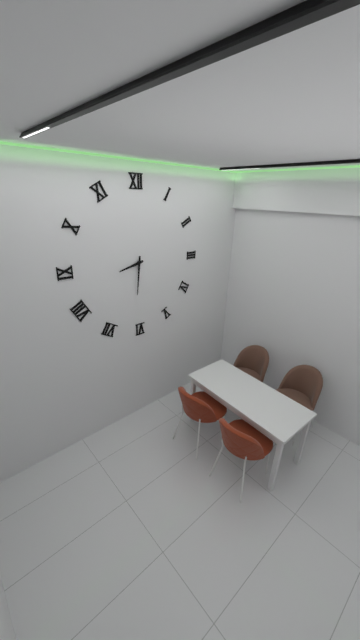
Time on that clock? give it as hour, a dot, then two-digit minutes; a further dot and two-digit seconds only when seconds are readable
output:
8.31
